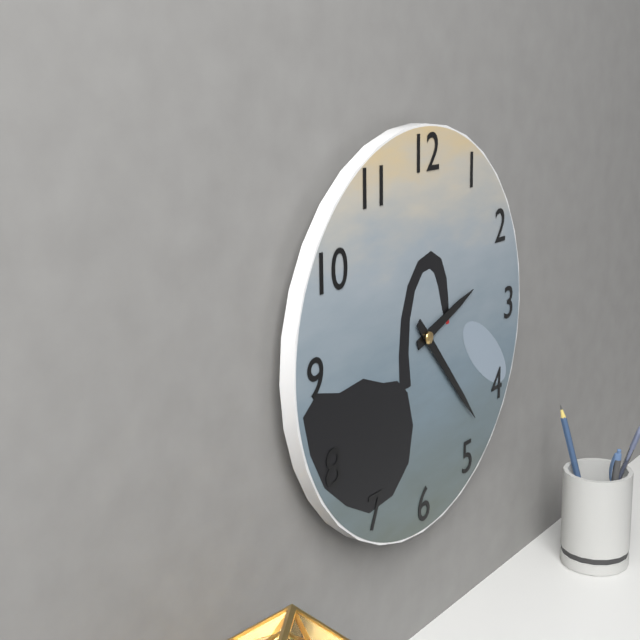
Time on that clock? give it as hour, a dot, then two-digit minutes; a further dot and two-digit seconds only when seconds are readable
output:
2.23
